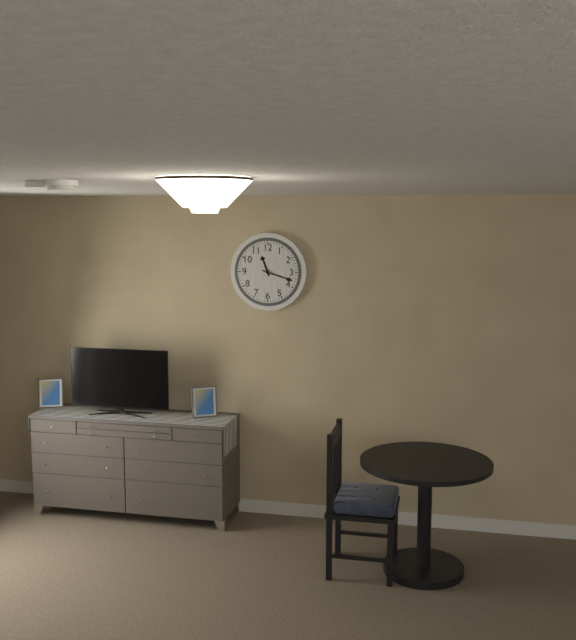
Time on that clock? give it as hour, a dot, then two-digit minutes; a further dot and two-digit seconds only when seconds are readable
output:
11.18
